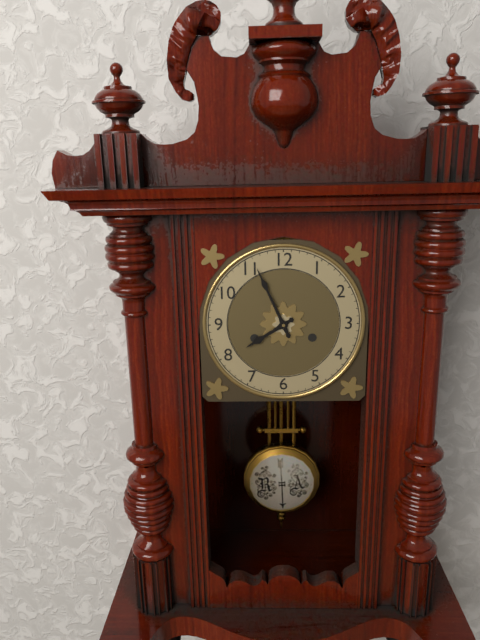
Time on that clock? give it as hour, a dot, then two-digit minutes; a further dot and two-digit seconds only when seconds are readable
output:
7.56
